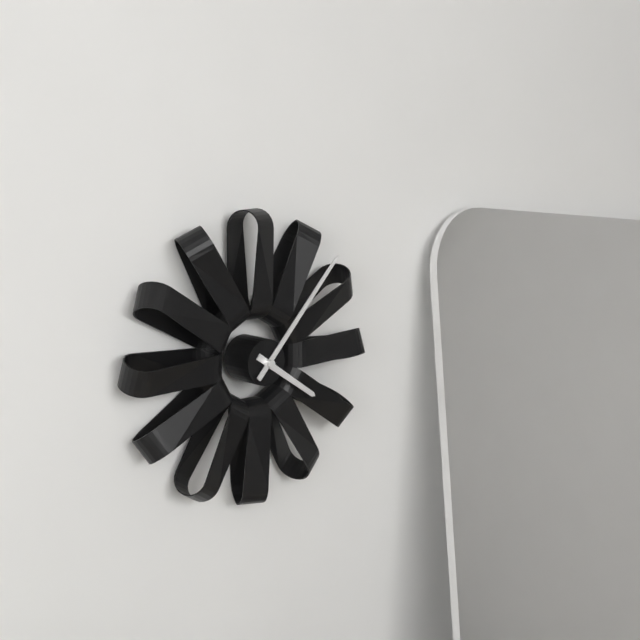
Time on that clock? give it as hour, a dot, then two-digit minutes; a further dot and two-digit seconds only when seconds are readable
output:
4.07
